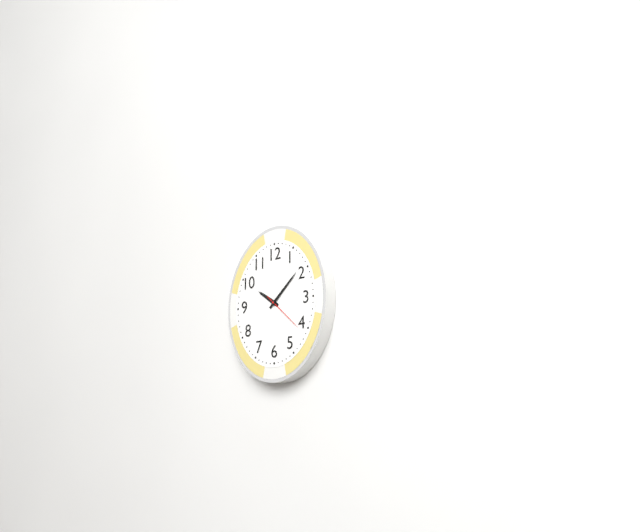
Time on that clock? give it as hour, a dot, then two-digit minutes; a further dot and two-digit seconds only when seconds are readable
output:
10.08
